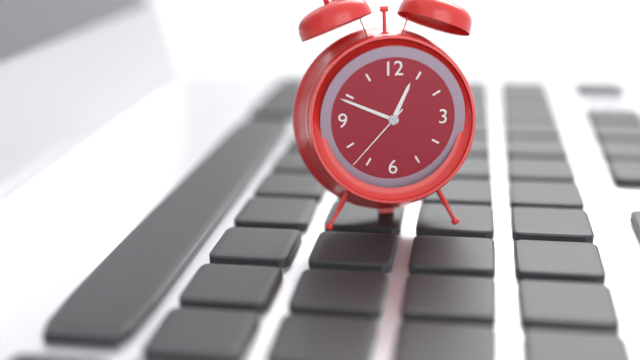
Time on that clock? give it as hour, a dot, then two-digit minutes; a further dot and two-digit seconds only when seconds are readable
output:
12.49.37
